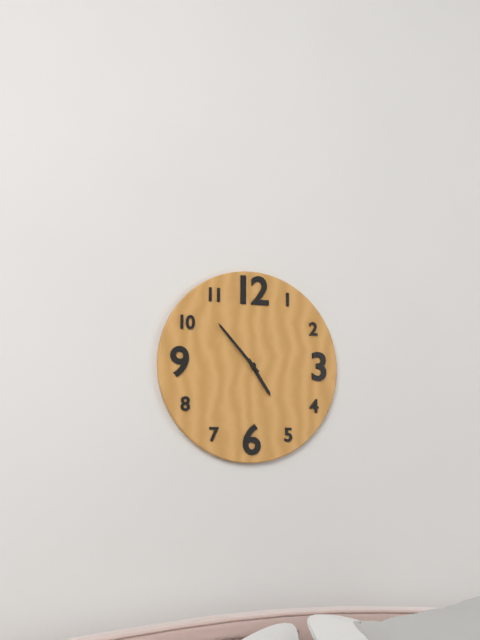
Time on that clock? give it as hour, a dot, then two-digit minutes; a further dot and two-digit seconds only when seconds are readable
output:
4.53
